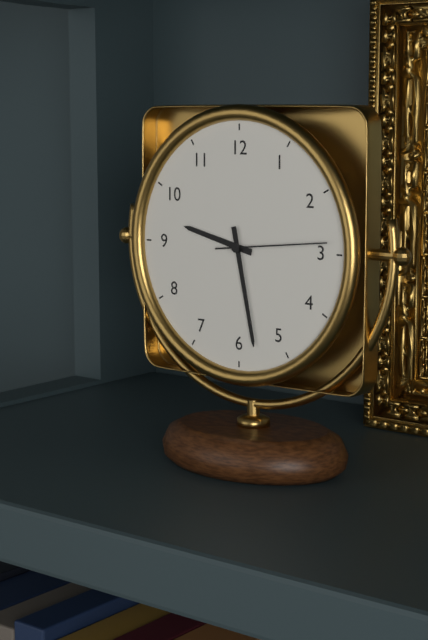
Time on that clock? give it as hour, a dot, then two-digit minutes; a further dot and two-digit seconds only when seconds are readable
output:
9.28.14
